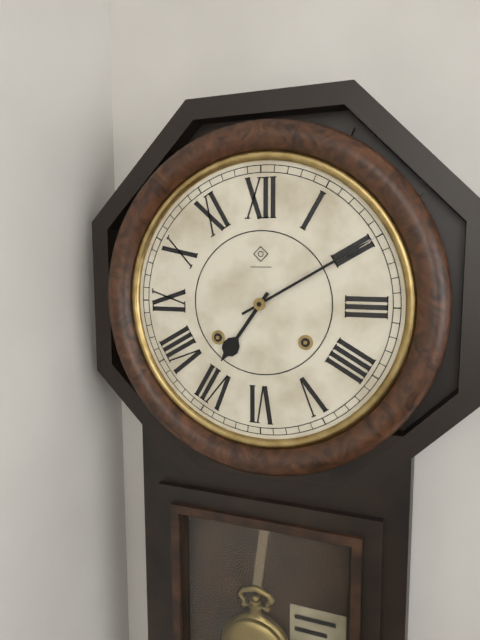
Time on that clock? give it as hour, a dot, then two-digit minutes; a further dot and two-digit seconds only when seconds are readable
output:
7.10
